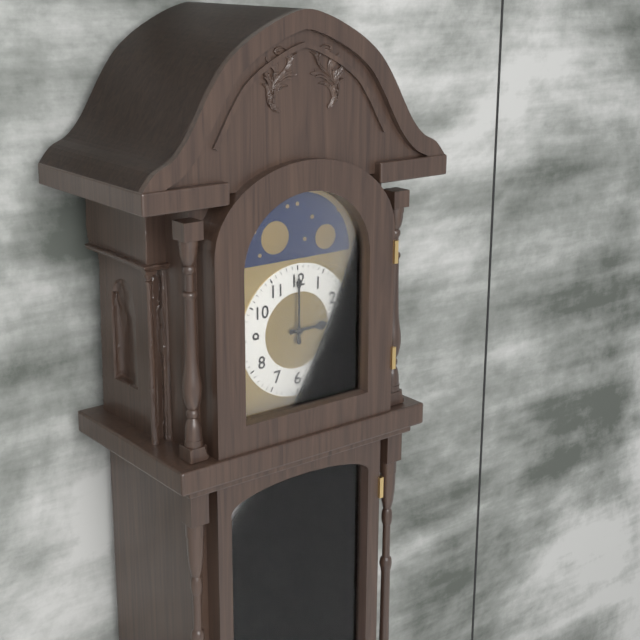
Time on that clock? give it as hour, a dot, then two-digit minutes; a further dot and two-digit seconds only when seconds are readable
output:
3.00
